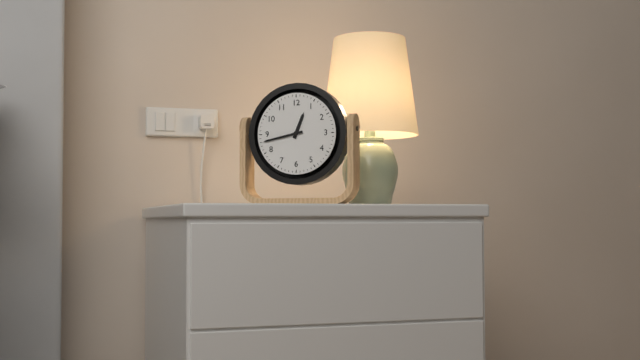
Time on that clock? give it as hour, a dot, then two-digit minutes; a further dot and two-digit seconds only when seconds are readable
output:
12.43
